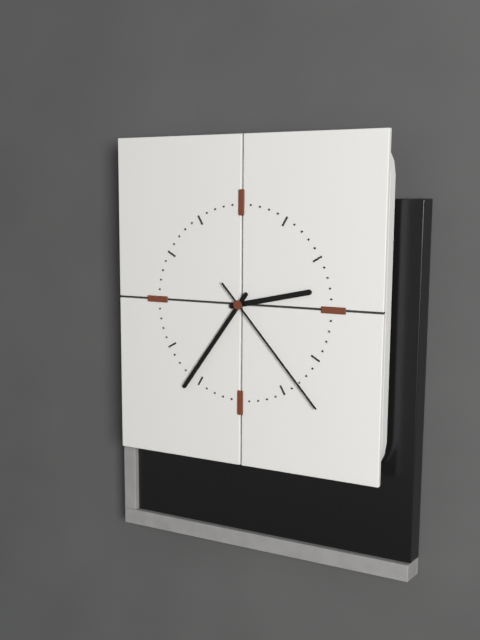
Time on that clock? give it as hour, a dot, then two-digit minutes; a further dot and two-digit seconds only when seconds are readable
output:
2.36.23
